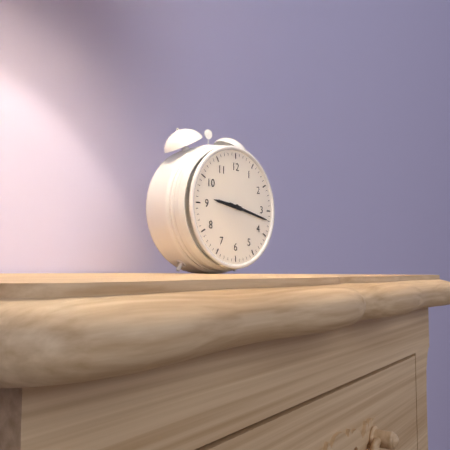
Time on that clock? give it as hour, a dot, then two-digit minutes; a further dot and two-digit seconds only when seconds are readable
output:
9.17
